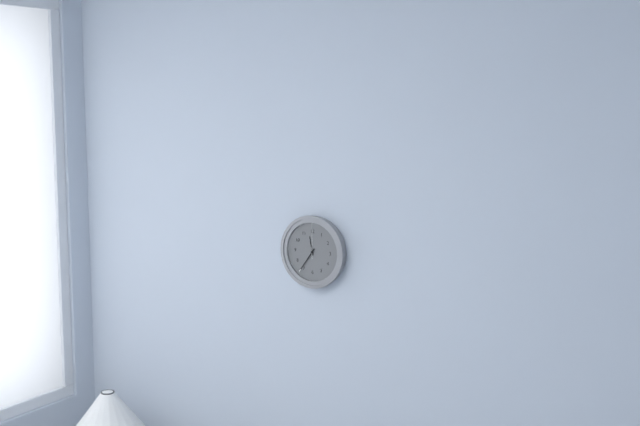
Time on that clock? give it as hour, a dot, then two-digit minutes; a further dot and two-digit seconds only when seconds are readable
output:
11.36
